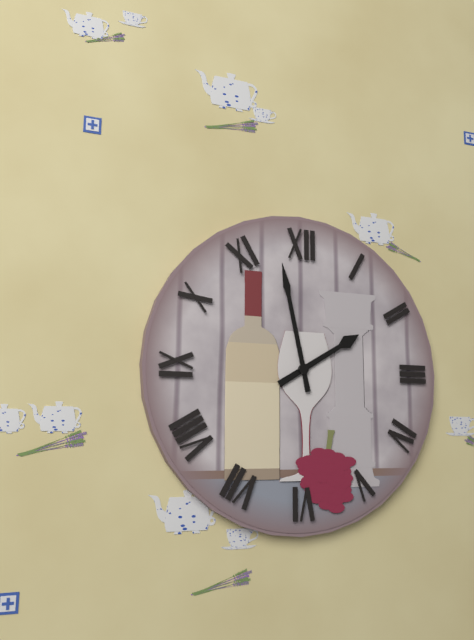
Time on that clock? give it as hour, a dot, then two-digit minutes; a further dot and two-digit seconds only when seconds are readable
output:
1.58
